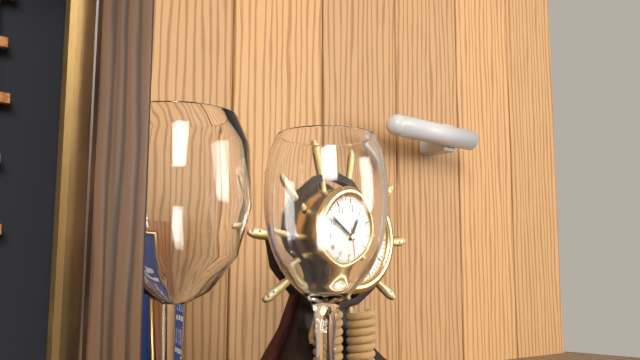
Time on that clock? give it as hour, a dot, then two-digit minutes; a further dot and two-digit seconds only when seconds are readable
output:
12.51.28
